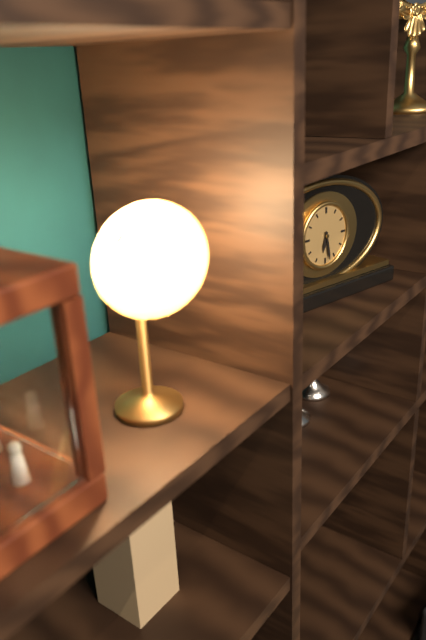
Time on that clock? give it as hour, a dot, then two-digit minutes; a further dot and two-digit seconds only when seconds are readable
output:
6.28
